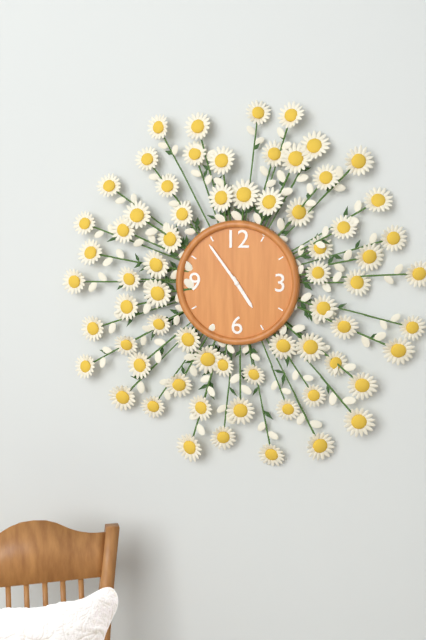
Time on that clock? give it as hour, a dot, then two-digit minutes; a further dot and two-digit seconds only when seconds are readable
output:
4.54
